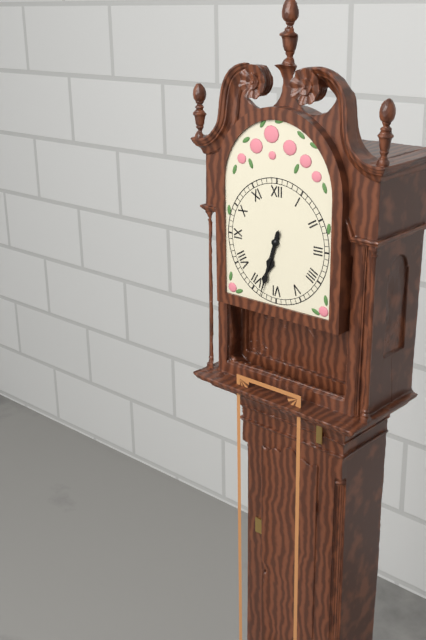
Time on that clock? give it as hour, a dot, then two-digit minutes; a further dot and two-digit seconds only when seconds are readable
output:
6.33
